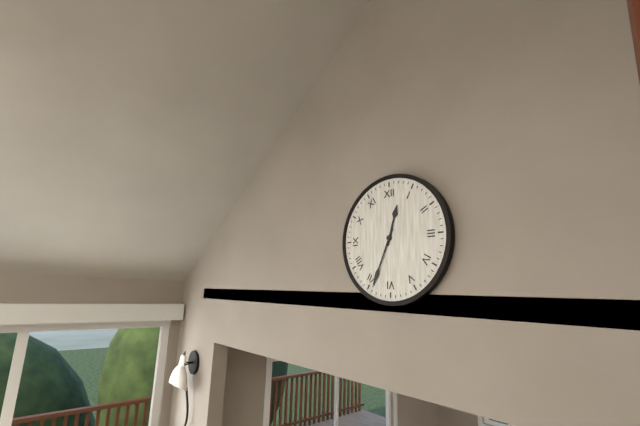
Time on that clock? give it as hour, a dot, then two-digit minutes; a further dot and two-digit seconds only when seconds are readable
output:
12.34
